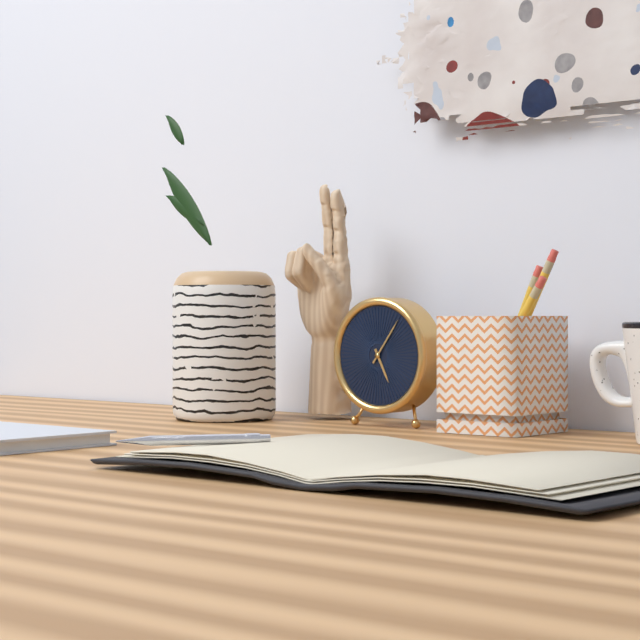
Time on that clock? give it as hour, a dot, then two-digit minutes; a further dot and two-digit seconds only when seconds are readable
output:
5.06
